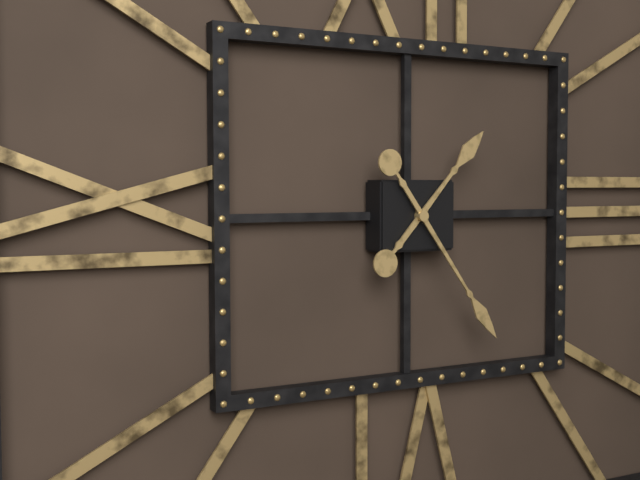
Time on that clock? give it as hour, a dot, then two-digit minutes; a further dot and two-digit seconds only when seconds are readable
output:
1.24
